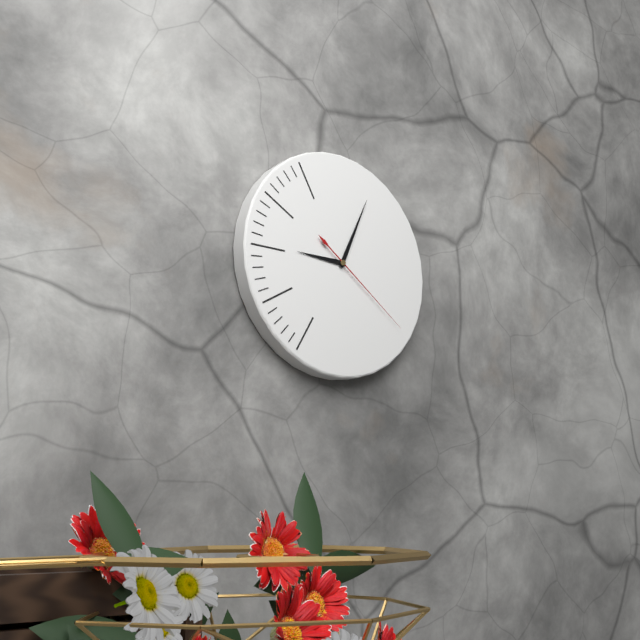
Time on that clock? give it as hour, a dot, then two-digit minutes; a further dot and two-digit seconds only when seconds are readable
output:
9.04.21
